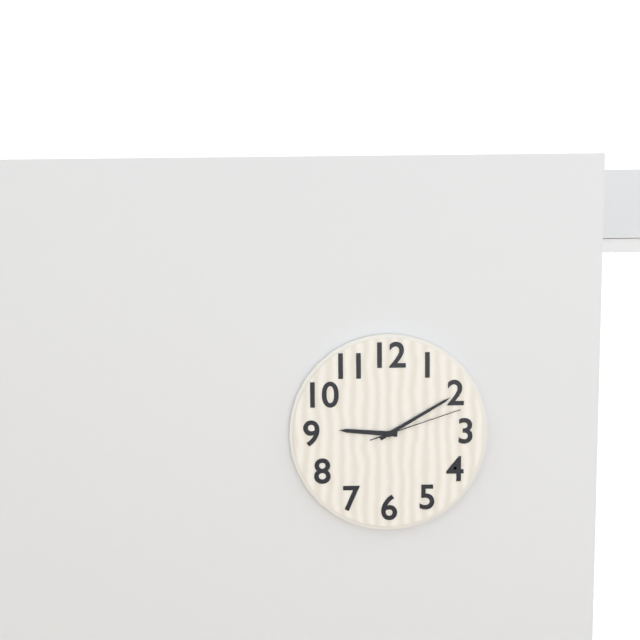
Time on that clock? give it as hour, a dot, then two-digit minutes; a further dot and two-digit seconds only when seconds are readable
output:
9.10.12
